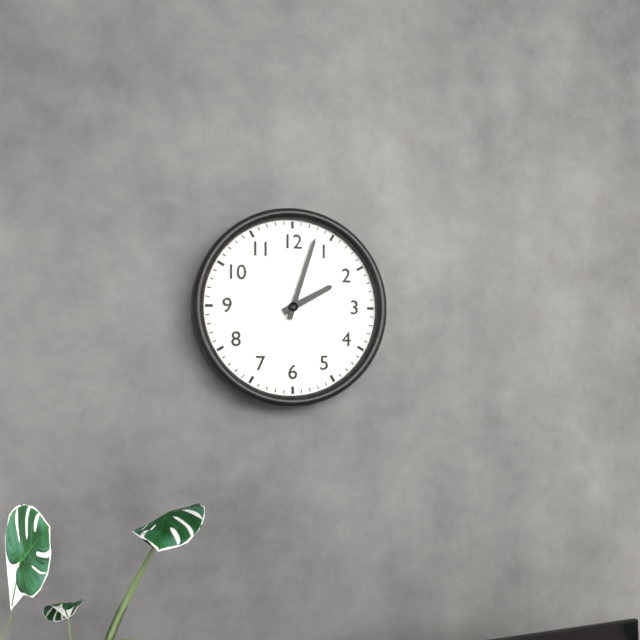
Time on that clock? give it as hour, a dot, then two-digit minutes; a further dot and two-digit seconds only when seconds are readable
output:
2.03
